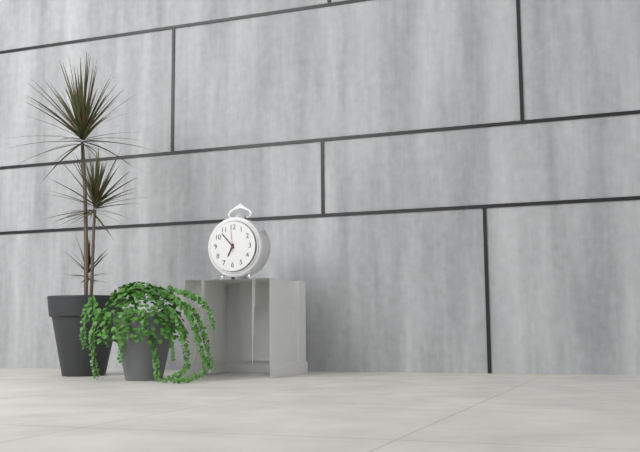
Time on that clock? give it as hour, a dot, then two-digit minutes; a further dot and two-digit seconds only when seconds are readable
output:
6.53
